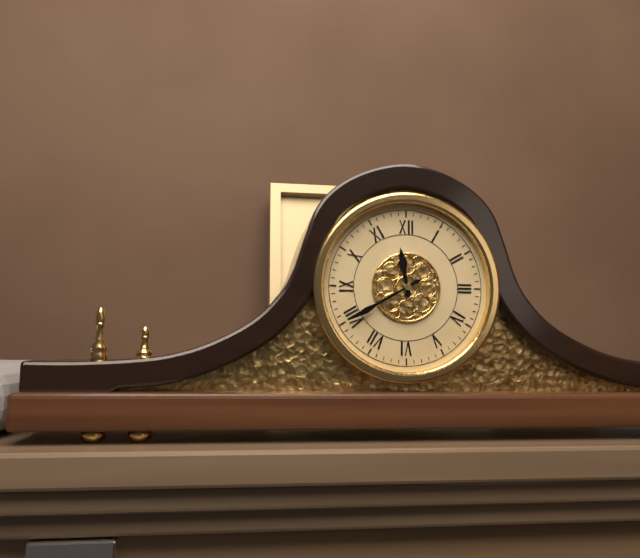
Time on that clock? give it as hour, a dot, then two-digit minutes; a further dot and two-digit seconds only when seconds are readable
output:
11.40
